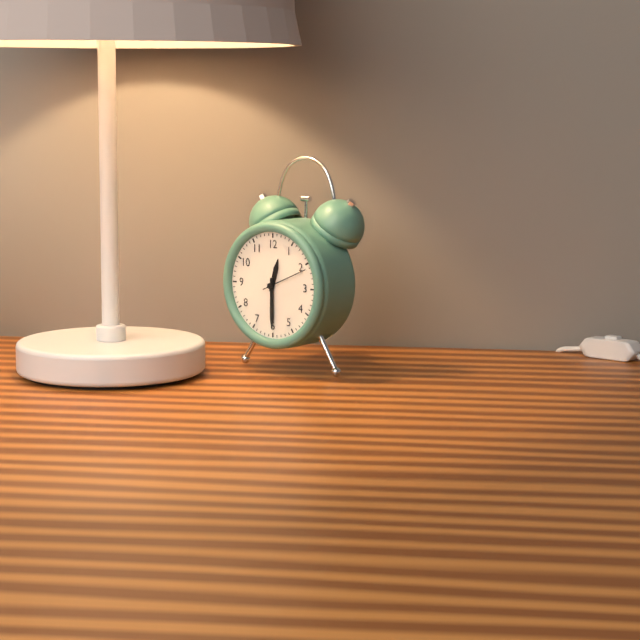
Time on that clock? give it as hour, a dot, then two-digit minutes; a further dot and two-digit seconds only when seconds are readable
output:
12.30
